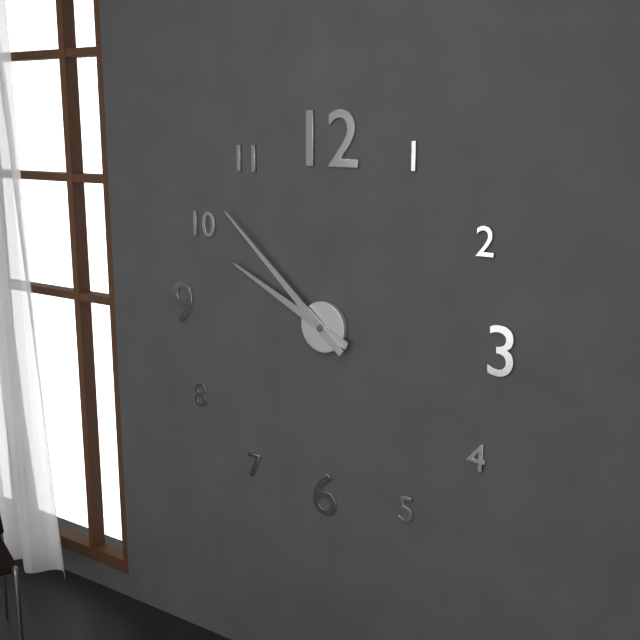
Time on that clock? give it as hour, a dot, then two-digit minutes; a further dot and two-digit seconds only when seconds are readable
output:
9.52
